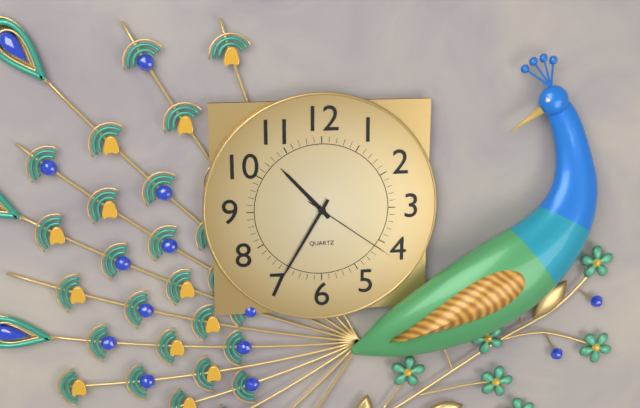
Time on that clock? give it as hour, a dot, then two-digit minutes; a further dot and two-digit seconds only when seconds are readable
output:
10.35.21
